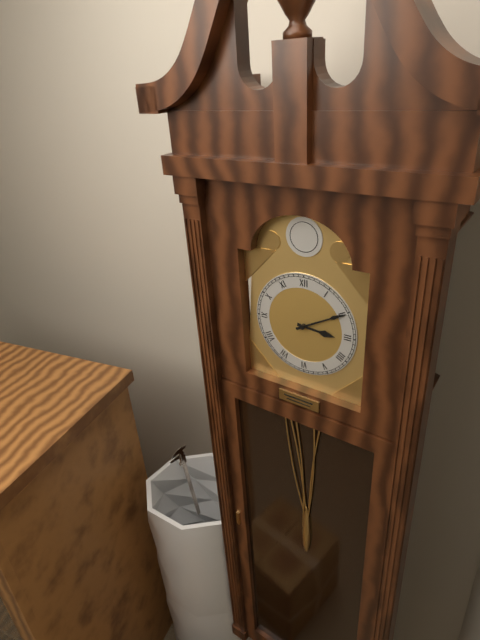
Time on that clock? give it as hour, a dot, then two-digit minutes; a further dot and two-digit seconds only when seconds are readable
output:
3.10
